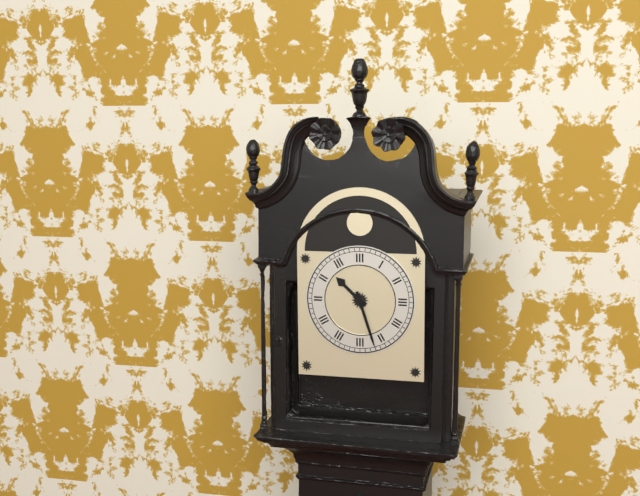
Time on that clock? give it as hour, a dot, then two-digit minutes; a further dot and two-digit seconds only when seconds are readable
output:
10.27
